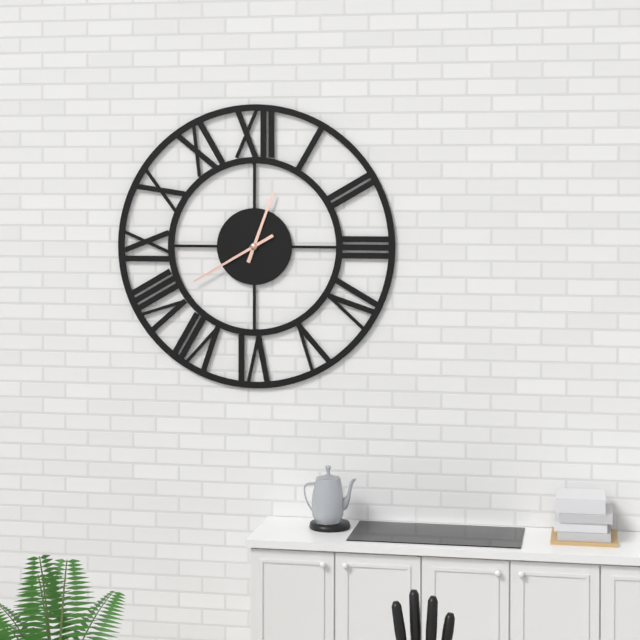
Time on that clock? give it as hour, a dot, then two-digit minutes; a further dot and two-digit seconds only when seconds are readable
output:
12.40
